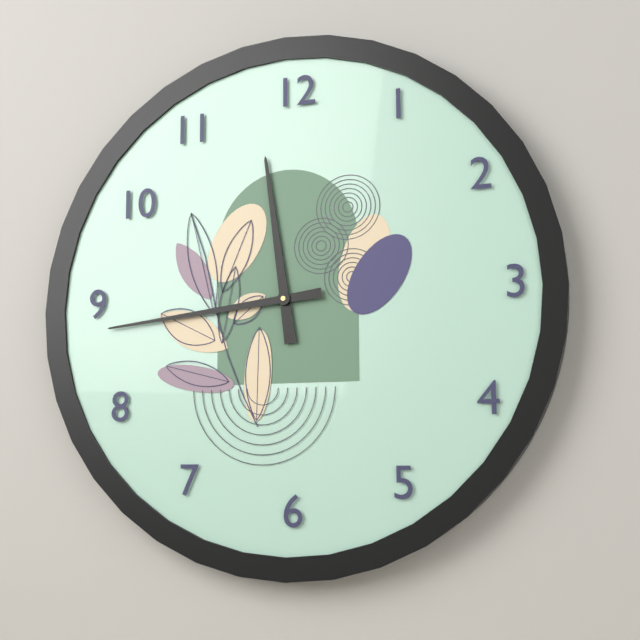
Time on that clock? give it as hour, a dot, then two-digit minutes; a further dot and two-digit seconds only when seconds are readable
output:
11.44
